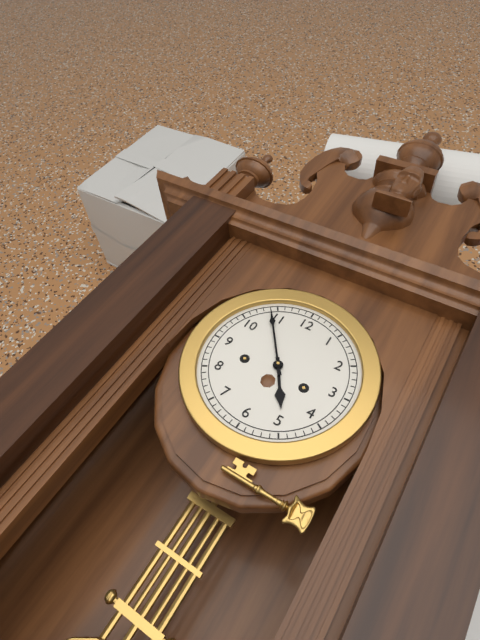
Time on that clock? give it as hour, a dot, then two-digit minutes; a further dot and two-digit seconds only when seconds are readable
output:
4.54
